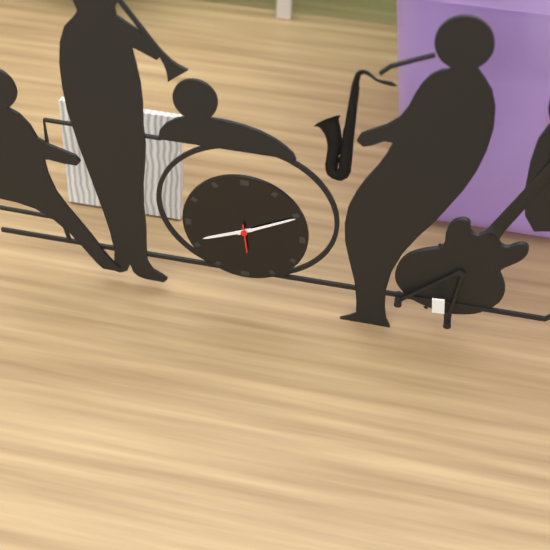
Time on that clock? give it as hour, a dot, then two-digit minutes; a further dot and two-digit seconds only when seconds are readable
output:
8.10
